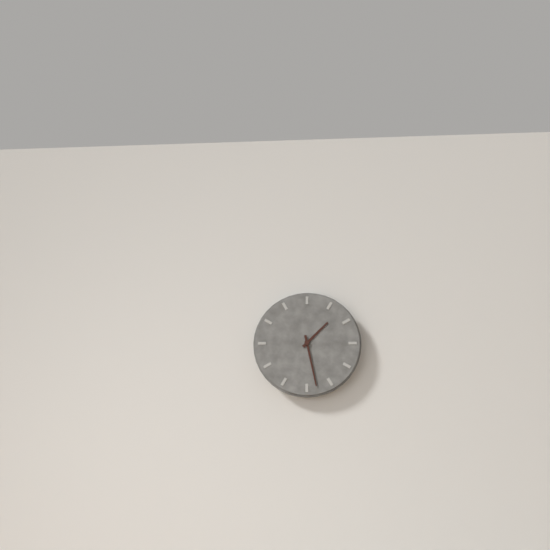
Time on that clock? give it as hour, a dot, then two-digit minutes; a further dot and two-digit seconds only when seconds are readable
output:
1.28
